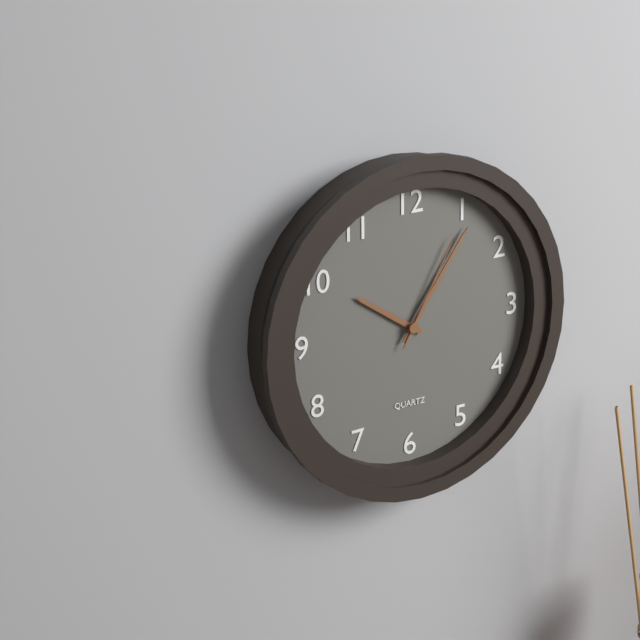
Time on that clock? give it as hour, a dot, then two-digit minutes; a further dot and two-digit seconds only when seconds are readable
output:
10.06.05
